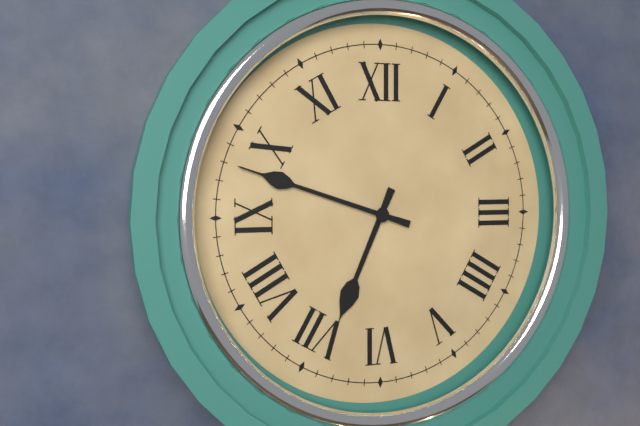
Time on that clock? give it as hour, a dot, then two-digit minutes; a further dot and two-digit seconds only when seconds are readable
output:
6.48
